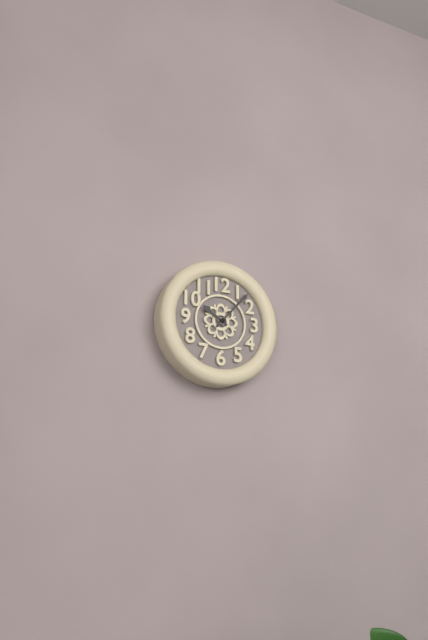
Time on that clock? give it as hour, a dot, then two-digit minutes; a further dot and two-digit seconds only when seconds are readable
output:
10.07
